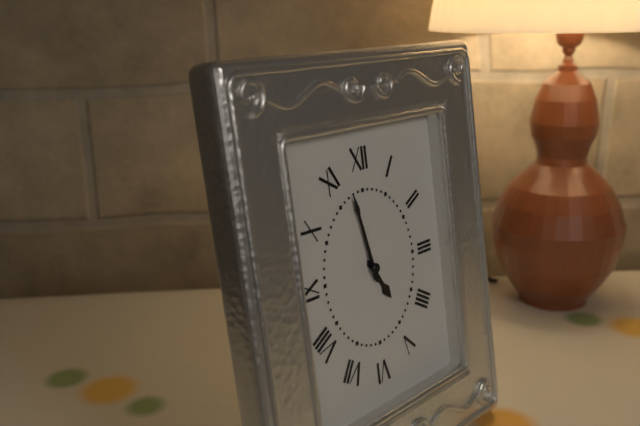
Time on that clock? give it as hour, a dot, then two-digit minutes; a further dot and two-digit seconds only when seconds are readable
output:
4.58
